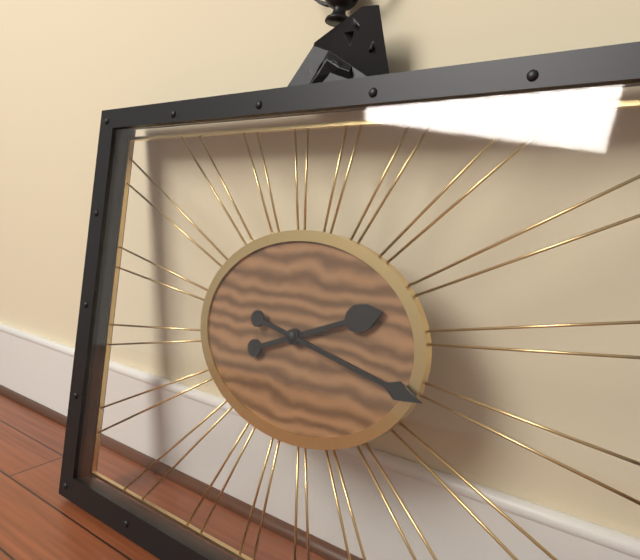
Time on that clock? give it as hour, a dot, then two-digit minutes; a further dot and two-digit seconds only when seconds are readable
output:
2.17
